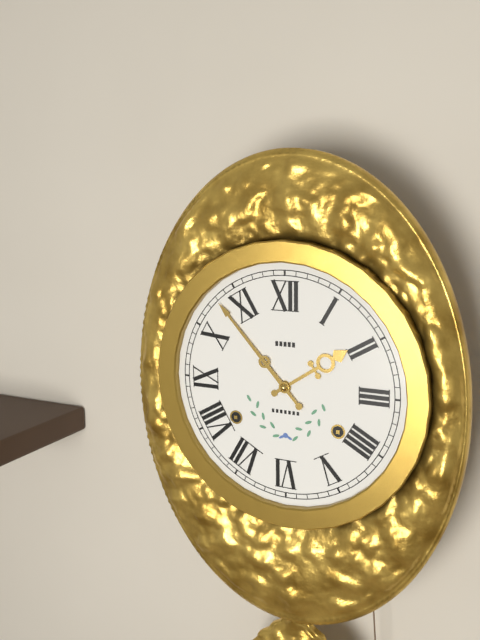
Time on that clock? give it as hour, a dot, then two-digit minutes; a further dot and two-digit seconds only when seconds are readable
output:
1.53
